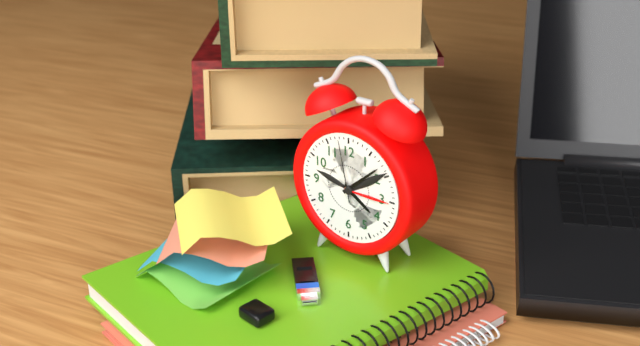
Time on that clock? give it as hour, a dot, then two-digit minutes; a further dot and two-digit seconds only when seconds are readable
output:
4.08.58
